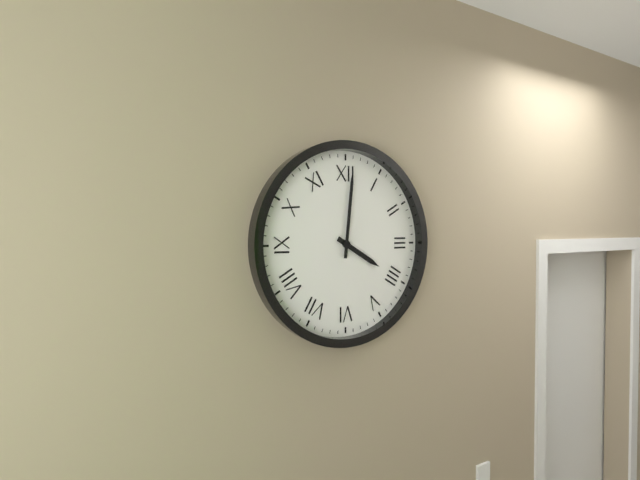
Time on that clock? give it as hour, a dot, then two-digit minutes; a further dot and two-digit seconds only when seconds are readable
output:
4.01
